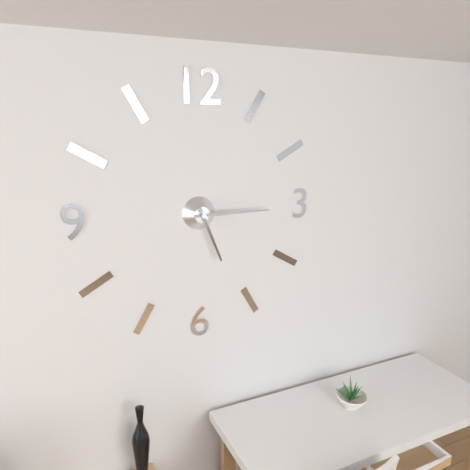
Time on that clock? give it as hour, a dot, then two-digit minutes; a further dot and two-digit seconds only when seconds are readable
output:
5.15
